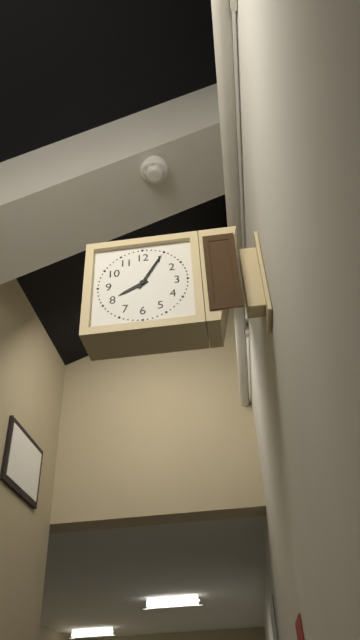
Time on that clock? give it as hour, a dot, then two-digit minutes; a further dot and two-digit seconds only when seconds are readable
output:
8.05
